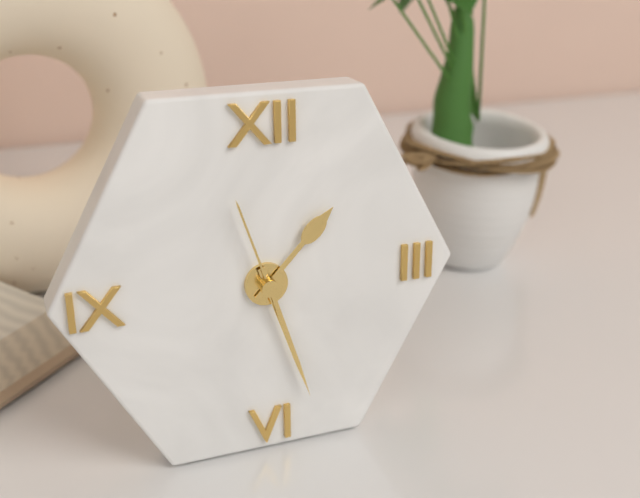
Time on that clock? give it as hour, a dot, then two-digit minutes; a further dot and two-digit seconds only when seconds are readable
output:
1.27.57
